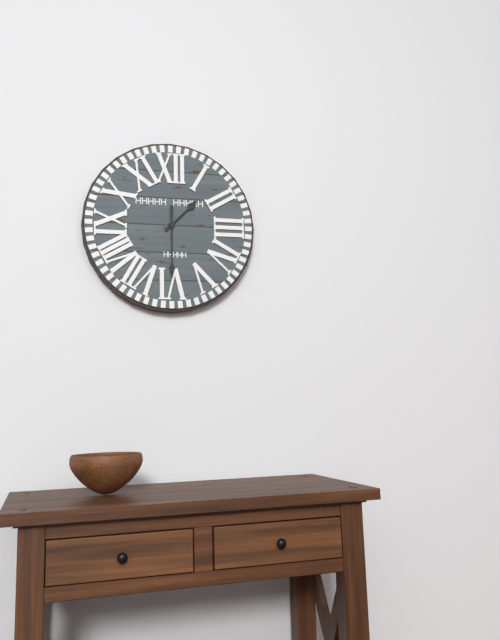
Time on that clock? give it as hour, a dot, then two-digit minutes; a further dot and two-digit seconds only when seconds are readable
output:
1.30
